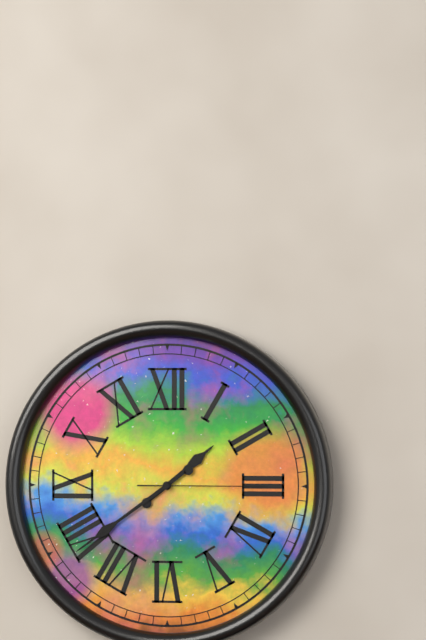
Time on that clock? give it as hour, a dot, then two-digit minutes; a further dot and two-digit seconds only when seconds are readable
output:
1.39.15
